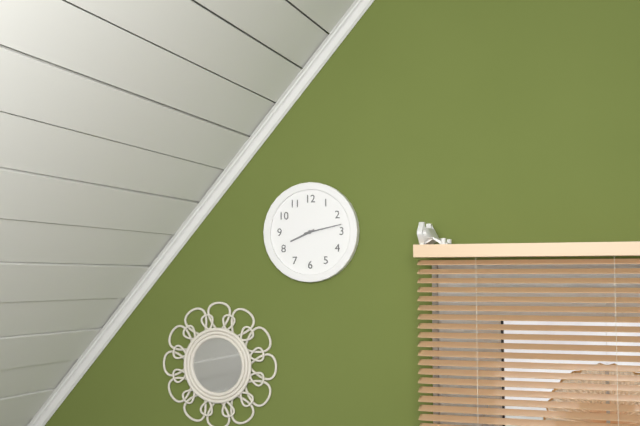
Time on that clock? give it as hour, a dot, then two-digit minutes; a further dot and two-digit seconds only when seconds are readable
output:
8.13
